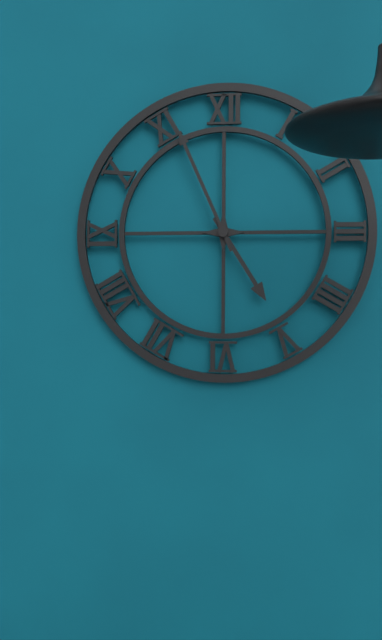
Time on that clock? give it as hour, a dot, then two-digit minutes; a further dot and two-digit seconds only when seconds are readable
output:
4.56
